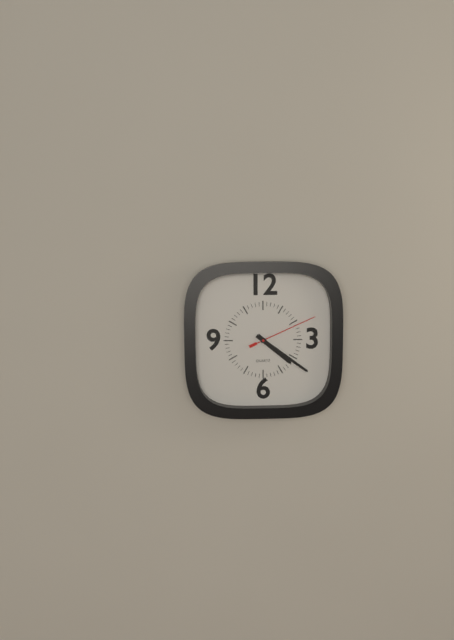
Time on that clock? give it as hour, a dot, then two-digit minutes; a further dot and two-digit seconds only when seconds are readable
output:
4.21.11
